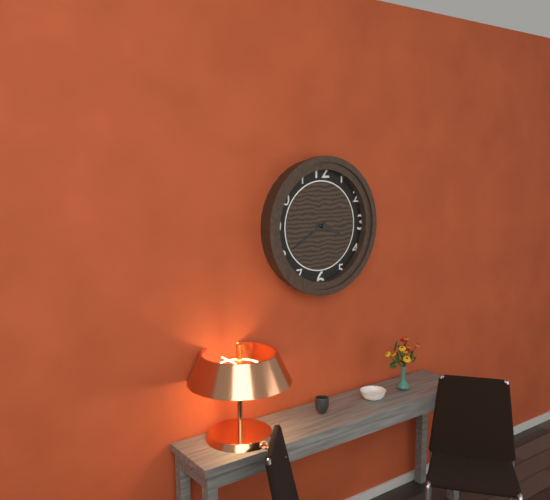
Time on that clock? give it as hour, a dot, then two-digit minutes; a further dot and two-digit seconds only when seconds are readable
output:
3.40
